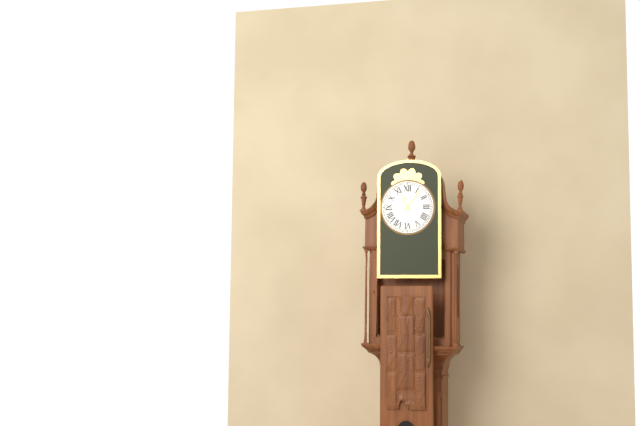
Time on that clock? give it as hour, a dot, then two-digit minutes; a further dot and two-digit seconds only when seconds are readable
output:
11.06
